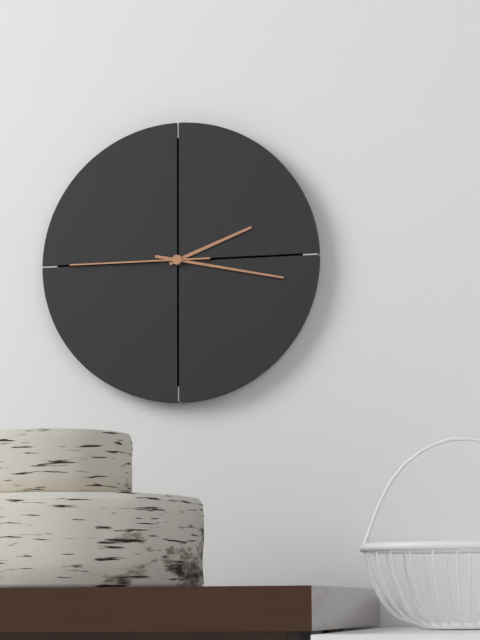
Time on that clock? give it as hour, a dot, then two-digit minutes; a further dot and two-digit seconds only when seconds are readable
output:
2.17.45
